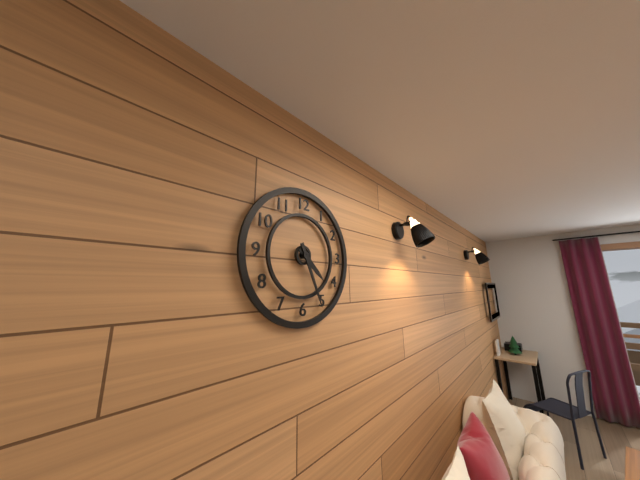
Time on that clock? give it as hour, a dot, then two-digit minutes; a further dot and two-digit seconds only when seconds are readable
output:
4.26
